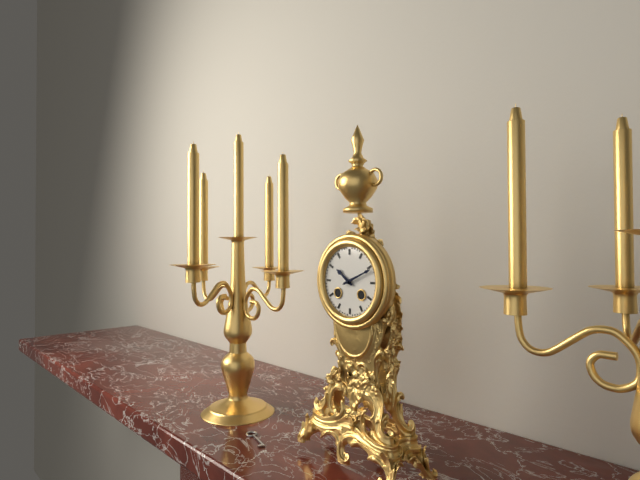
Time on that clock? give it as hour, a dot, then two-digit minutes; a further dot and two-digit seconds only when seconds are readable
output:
10.11
